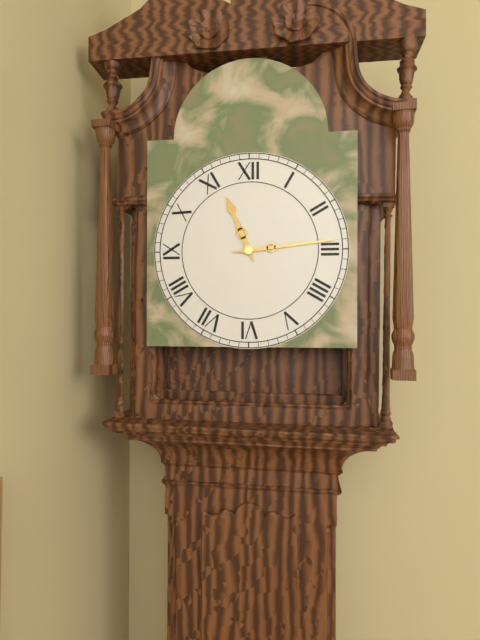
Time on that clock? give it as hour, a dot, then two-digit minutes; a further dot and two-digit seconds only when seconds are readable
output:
11.14
